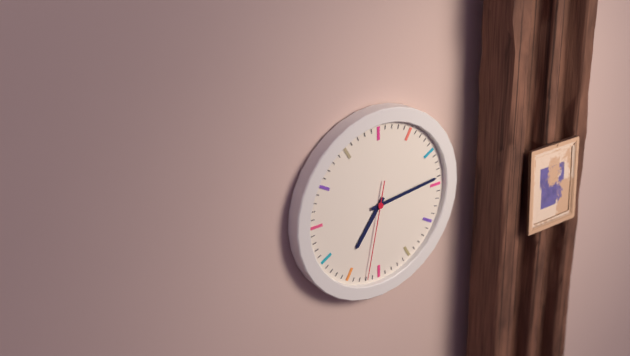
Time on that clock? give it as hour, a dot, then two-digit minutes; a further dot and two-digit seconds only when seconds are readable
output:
7.14.32
